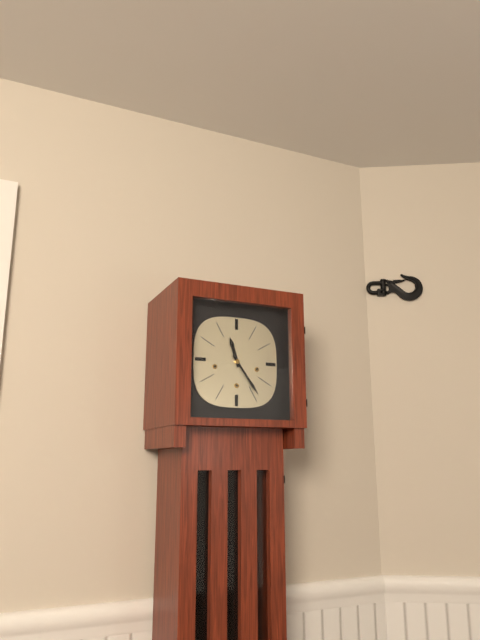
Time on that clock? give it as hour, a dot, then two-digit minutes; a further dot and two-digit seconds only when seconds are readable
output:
11.24
